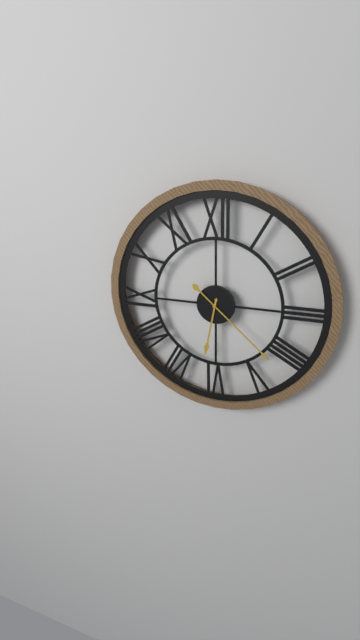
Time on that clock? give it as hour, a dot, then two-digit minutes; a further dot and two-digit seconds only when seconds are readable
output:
6.22
